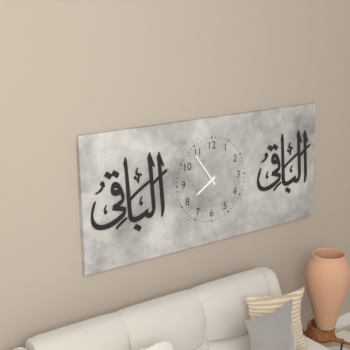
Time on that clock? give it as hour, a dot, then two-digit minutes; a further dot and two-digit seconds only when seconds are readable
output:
7.54
